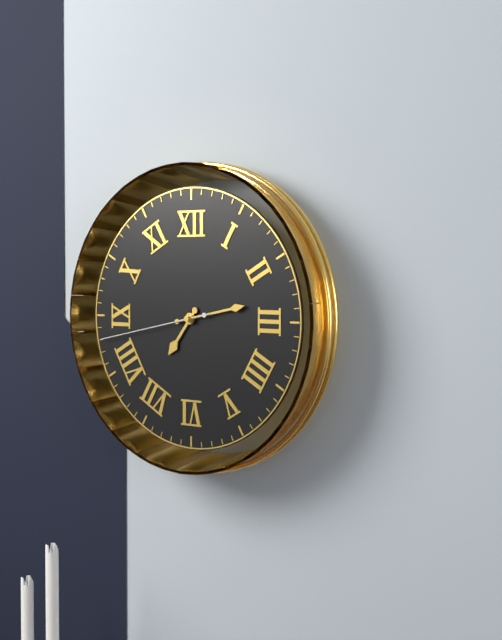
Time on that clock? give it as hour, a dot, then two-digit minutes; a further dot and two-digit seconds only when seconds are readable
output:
7.13.43
